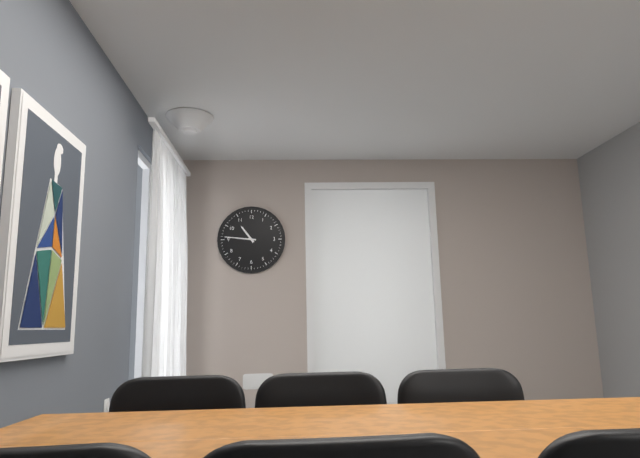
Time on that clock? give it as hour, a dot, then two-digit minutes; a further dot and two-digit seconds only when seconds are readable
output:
10.46
